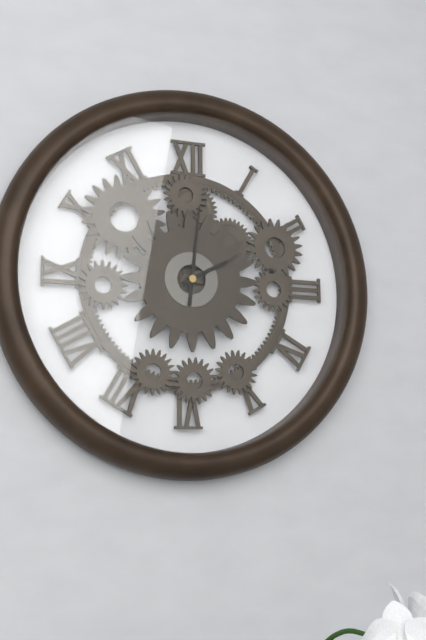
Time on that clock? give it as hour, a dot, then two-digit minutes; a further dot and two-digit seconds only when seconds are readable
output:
2.01
